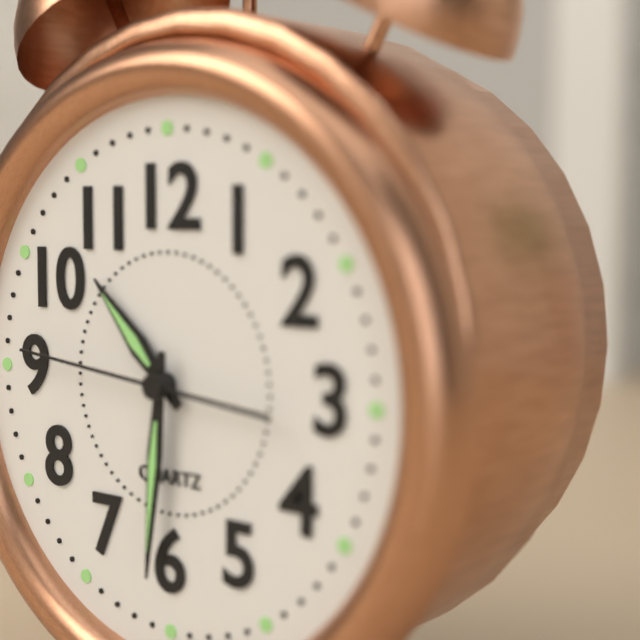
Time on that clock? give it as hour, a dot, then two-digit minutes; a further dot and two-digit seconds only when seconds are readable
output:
10.31.46
